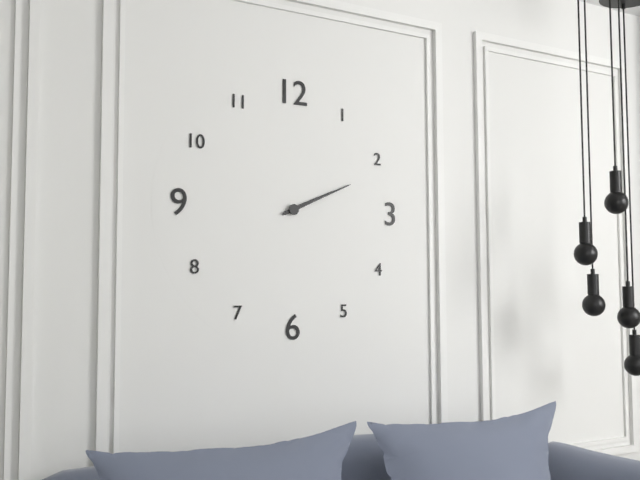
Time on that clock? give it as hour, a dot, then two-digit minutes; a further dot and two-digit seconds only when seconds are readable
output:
2.11
